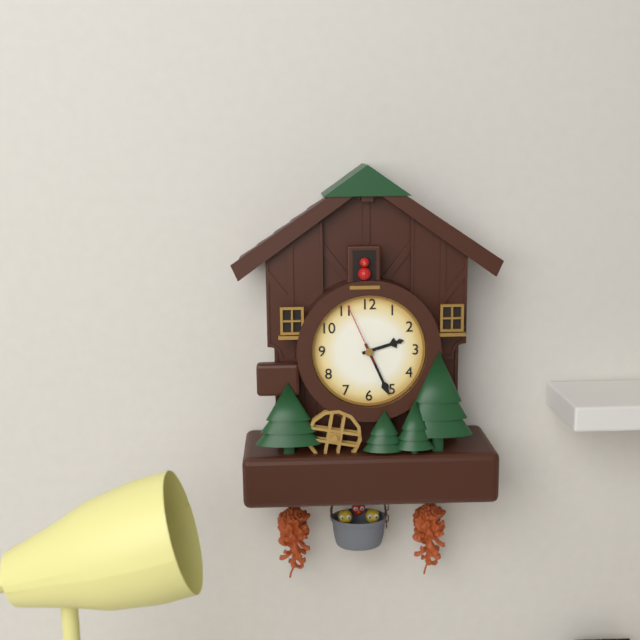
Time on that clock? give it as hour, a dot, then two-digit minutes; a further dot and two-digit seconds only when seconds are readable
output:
2.26.56
